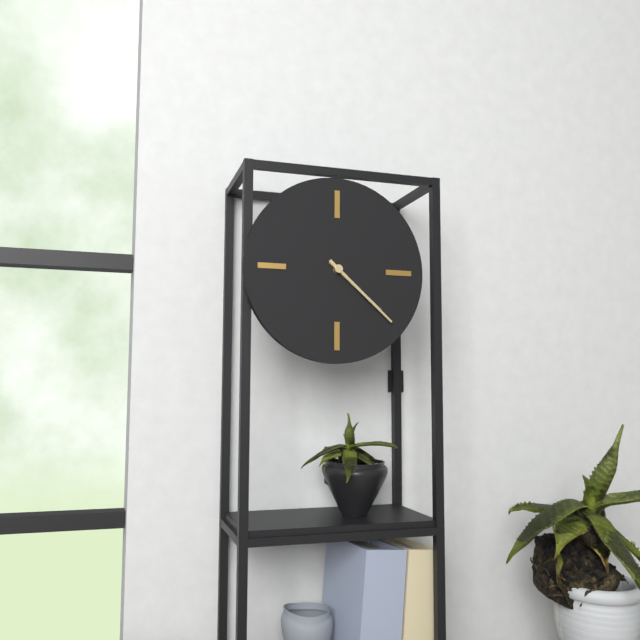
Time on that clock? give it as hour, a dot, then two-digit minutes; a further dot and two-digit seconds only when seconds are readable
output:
4.22
